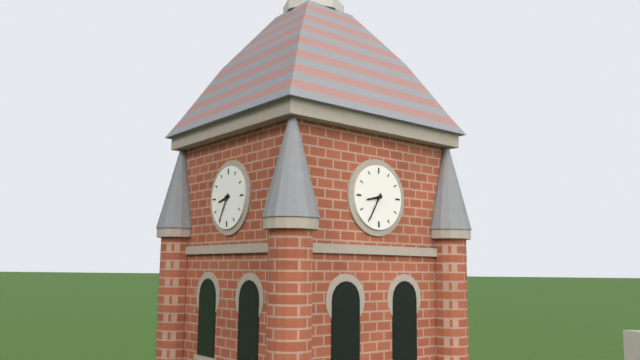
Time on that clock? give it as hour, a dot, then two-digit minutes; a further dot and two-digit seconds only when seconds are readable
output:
8.35
